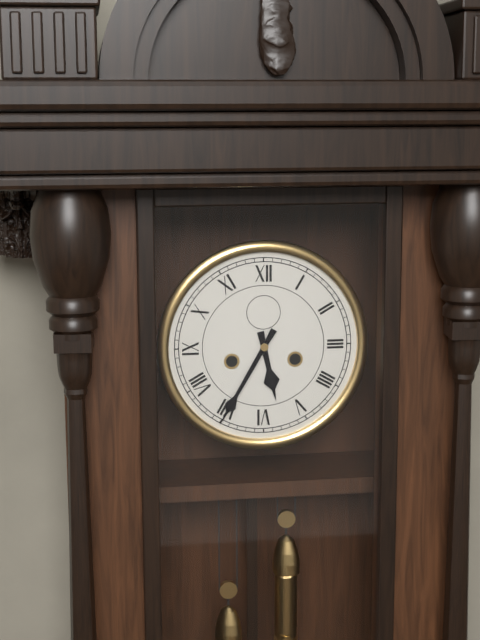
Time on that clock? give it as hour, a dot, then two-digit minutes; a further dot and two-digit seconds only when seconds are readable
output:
5.35
